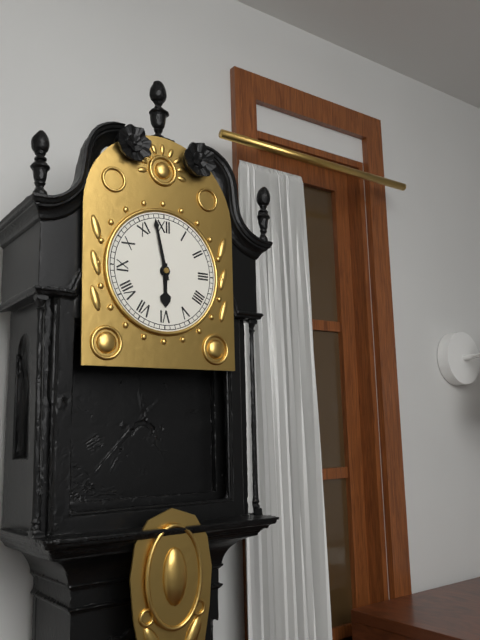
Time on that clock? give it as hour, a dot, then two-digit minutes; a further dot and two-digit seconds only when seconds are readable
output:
5.58
